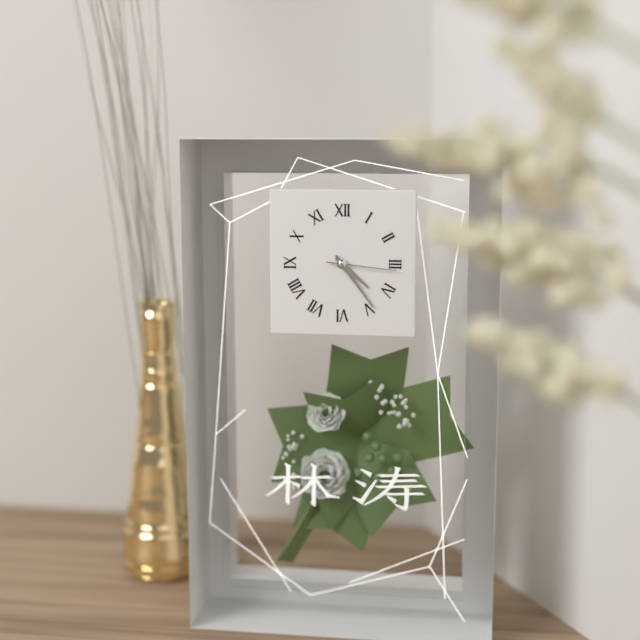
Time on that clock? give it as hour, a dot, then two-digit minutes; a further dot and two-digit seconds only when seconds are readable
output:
4.24.16
